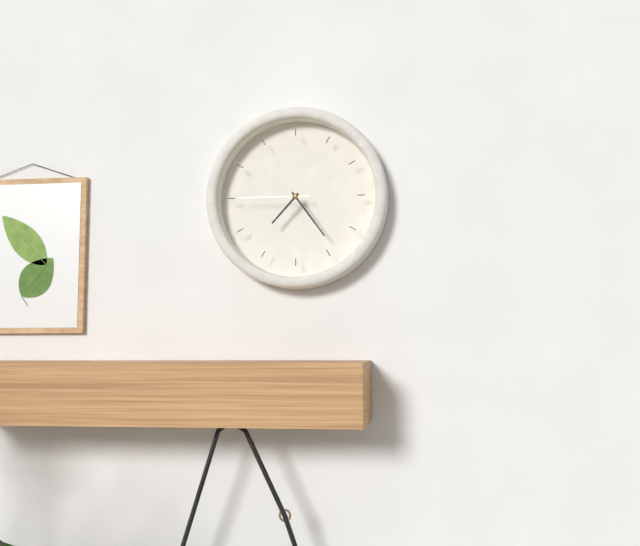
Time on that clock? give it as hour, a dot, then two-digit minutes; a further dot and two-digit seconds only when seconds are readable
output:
7.24.45
